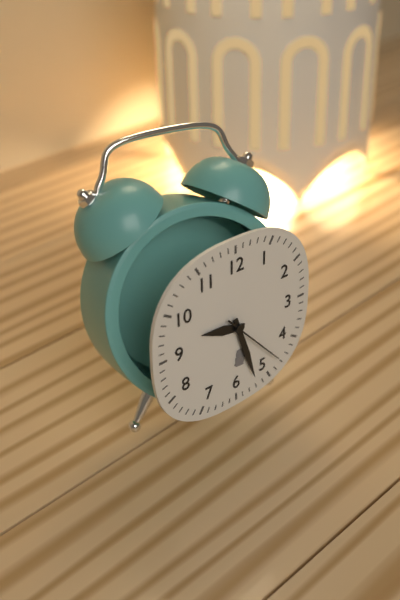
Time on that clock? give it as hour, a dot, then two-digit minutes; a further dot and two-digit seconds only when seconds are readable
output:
9.27.23
